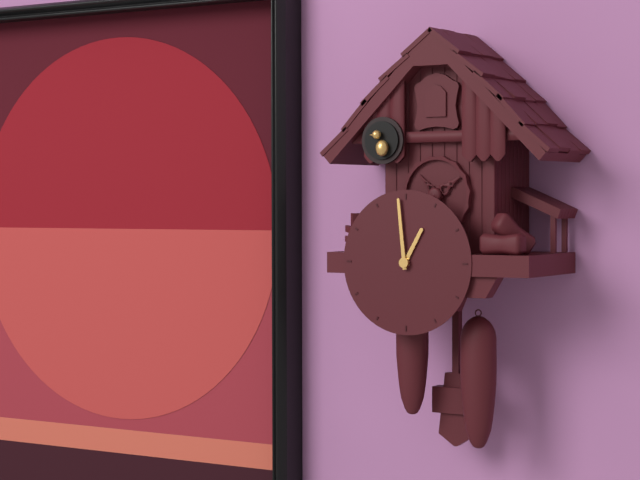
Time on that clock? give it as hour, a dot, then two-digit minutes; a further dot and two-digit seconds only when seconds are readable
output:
12.59
